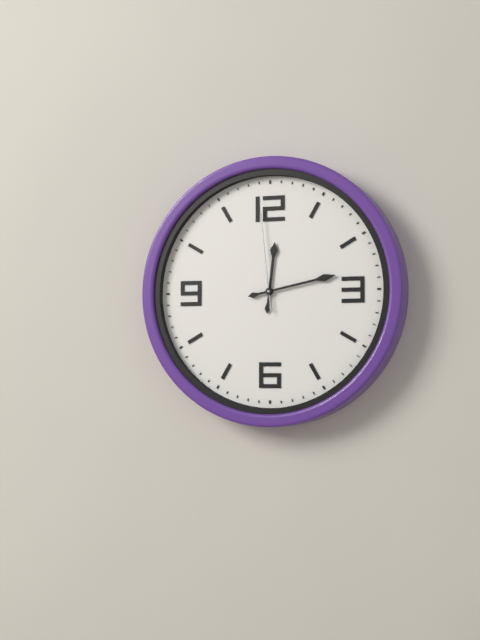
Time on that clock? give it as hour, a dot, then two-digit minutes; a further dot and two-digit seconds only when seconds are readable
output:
12.13.59
